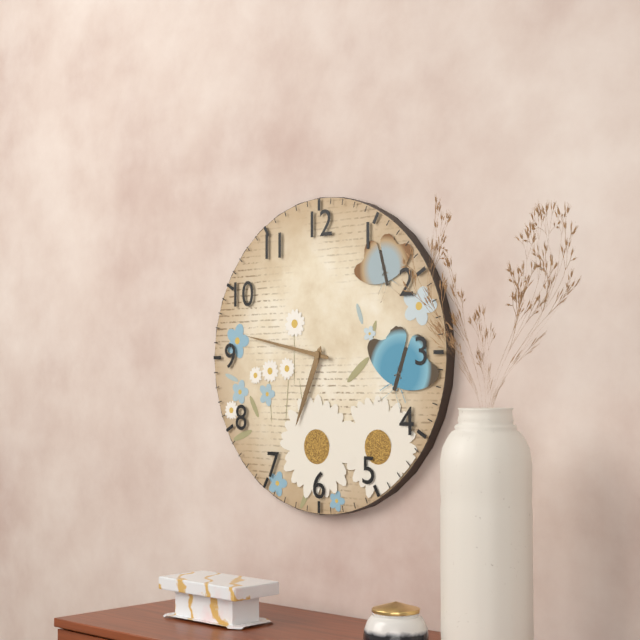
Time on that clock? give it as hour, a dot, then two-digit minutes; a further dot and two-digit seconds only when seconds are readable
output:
6.47
